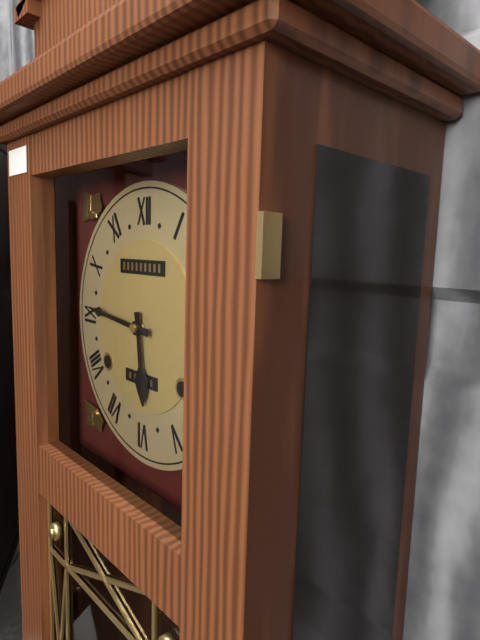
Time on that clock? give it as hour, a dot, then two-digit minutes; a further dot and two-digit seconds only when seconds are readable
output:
5.46
